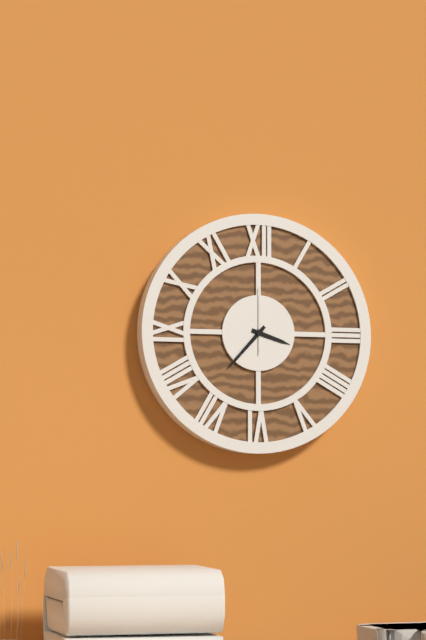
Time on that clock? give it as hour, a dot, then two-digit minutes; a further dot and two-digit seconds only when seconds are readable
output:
3.37.00
